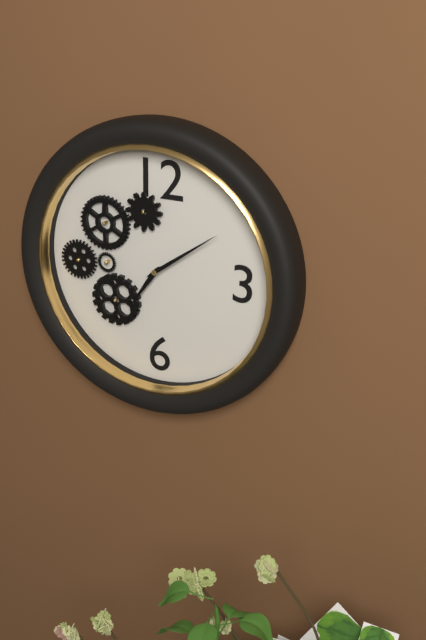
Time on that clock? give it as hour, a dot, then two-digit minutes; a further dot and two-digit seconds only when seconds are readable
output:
7.09
